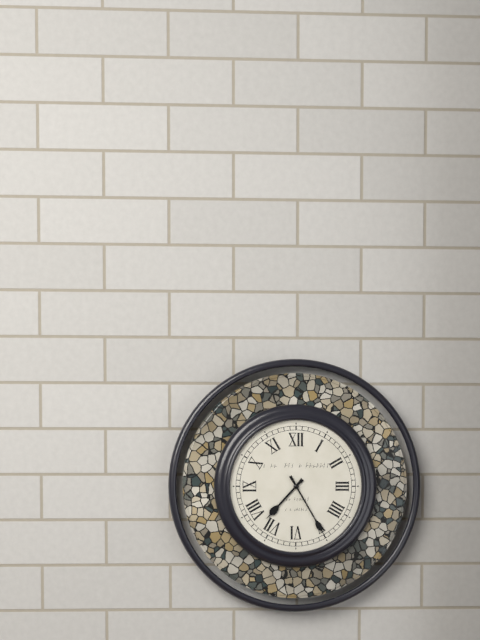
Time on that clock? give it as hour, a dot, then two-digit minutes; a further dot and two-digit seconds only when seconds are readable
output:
7.25
